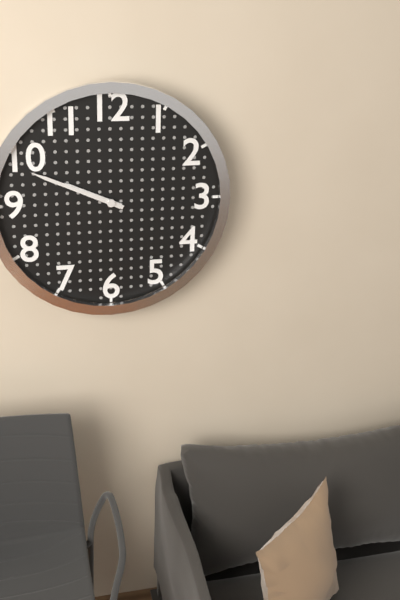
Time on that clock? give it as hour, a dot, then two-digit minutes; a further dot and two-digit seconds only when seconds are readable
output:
9.49
